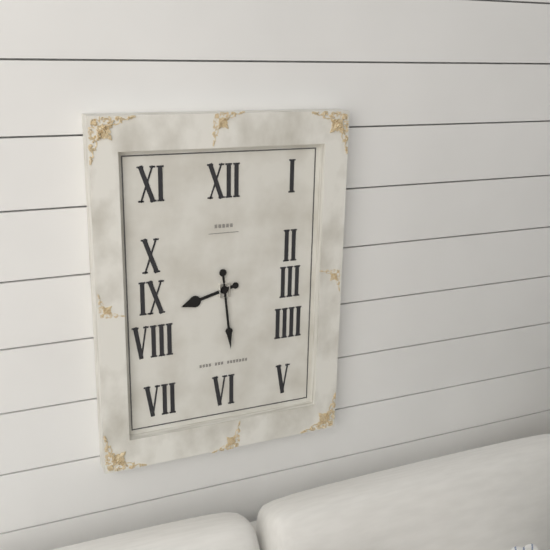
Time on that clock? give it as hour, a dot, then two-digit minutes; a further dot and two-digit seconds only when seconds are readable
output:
8.29
